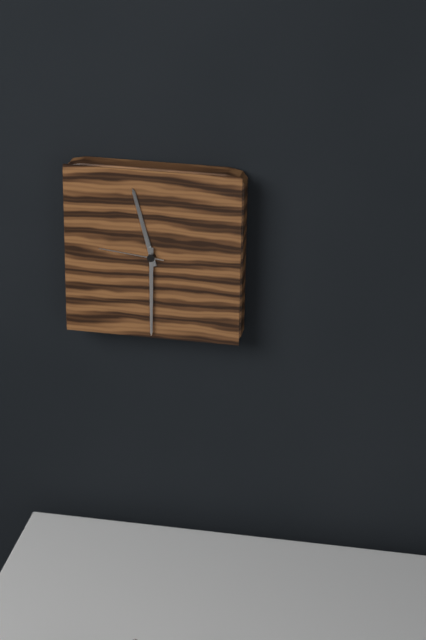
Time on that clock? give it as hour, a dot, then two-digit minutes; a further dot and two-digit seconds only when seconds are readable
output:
11.30.46
